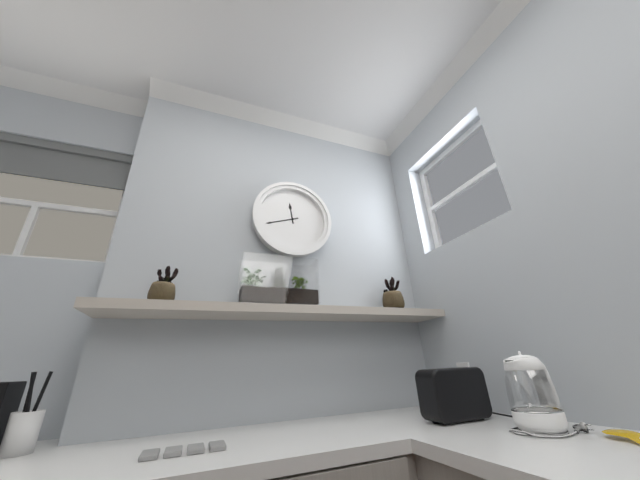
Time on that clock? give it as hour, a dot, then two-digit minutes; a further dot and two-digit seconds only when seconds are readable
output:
11.42
